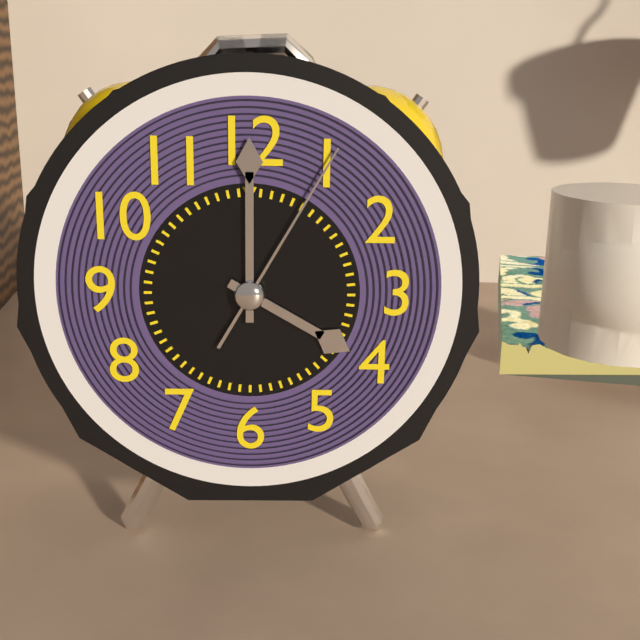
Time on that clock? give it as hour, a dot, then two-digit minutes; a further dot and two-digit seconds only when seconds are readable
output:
4.00.05
